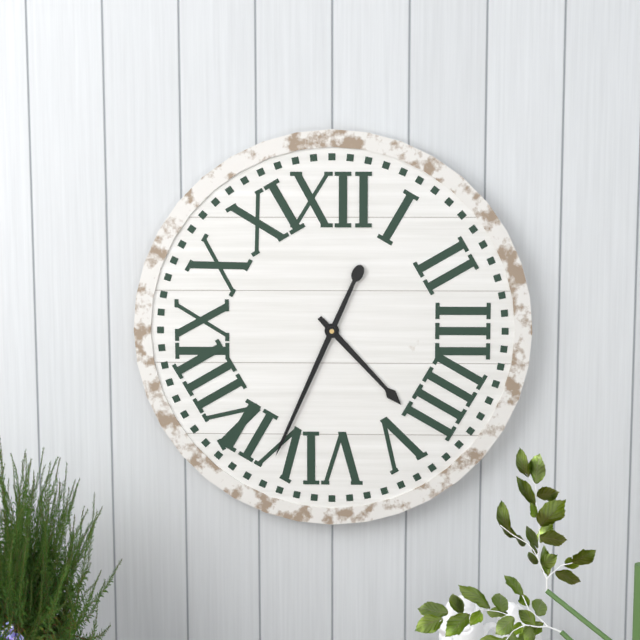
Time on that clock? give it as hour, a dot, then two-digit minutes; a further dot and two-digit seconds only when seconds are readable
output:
4.34
